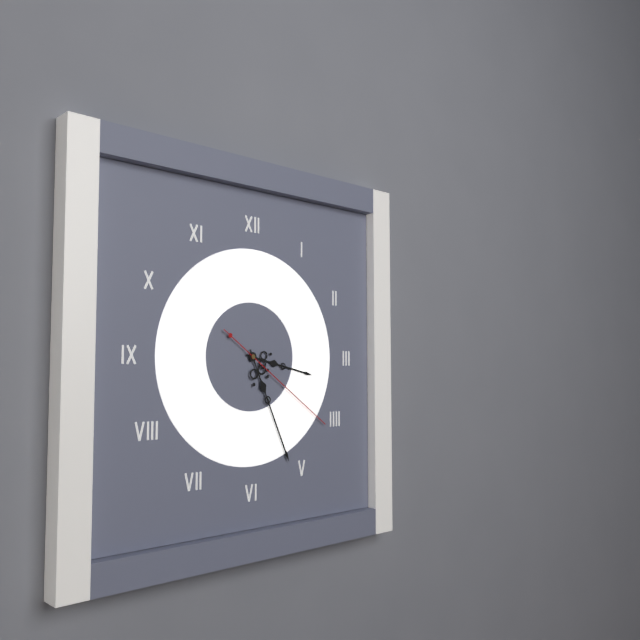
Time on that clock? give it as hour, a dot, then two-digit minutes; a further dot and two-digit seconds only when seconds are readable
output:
3.26.21
